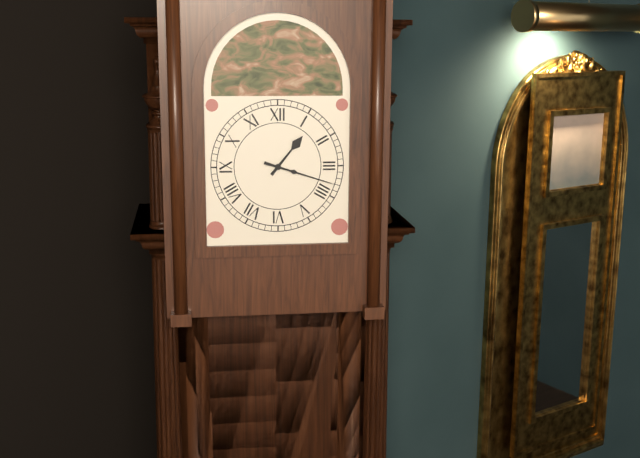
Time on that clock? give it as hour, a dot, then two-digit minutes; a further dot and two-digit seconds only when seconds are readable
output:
1.18
